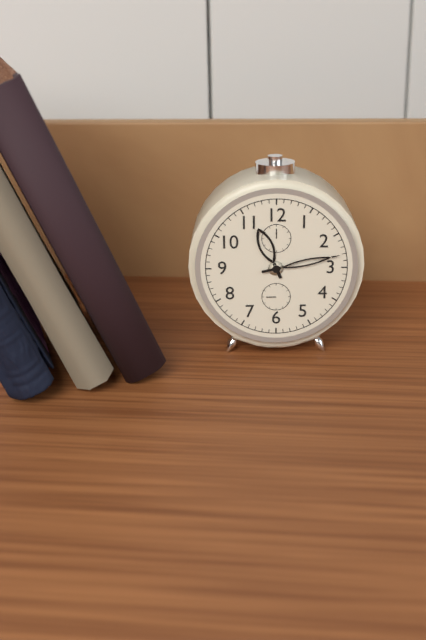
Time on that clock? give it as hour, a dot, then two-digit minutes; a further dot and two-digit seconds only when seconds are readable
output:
11.13
